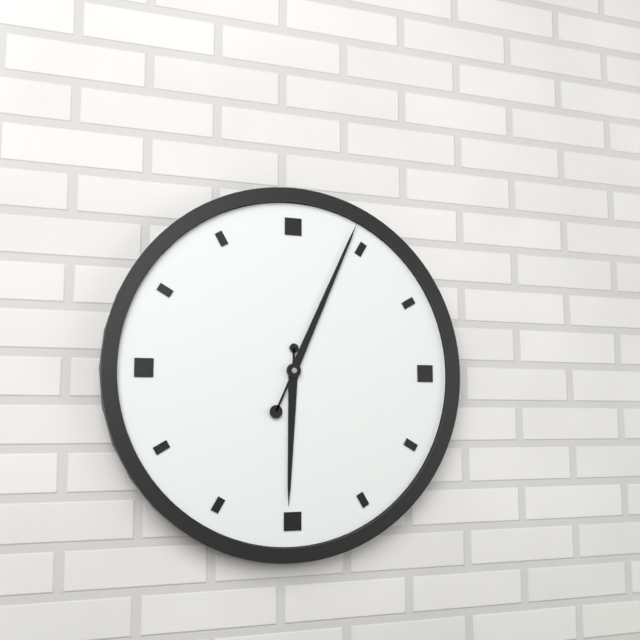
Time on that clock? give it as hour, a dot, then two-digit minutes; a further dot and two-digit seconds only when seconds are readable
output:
6.04
